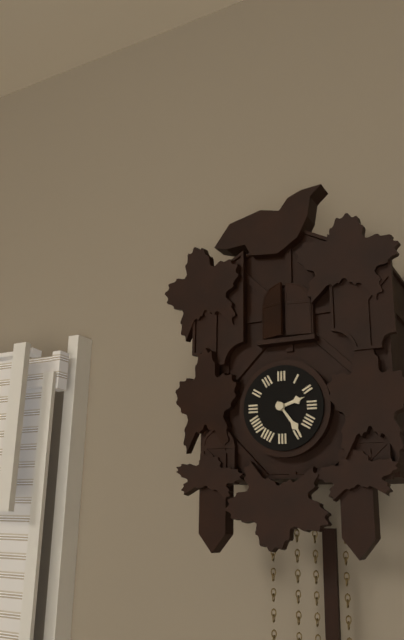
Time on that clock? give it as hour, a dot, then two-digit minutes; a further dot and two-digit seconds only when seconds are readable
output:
2.24
